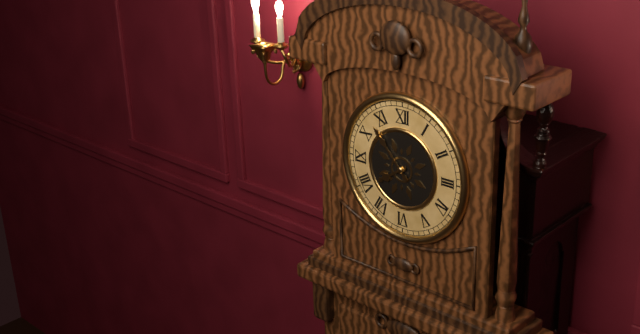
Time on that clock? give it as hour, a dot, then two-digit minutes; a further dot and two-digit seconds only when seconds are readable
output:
7.53
